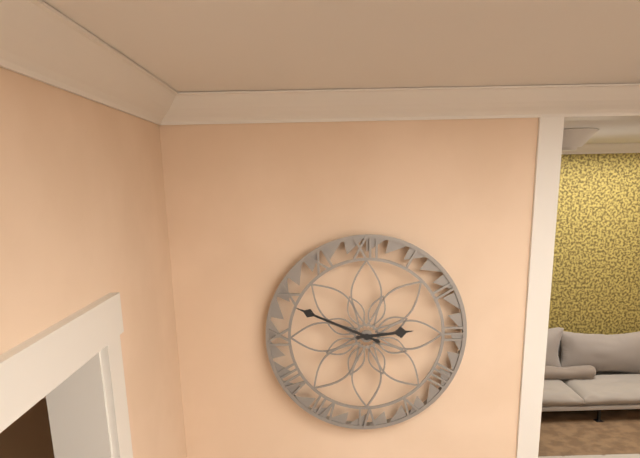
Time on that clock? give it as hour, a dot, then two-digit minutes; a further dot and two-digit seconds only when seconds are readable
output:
2.49
